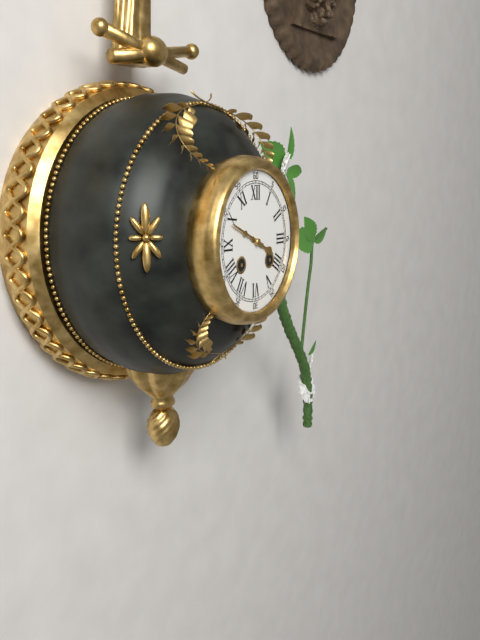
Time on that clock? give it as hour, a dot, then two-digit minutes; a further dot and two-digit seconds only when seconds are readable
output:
3.49
